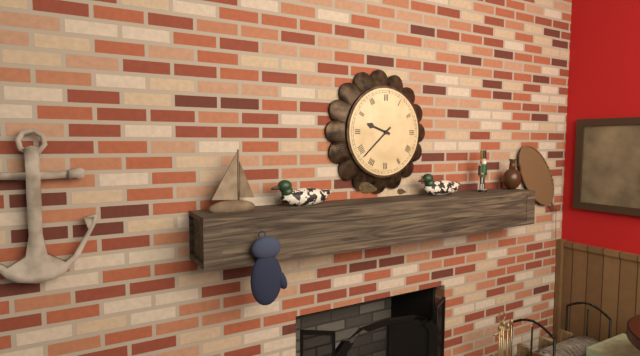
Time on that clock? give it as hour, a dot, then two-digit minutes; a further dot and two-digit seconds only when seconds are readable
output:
9.38
